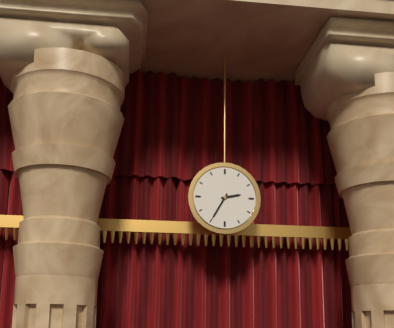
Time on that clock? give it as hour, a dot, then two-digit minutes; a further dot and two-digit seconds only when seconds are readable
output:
2.35
